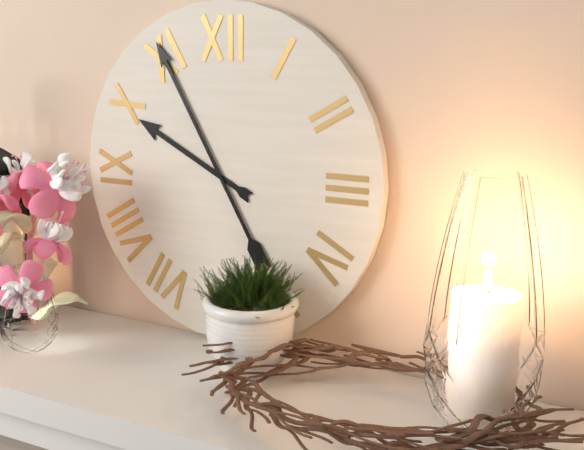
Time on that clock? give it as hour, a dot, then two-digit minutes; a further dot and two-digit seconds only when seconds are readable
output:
9.55
